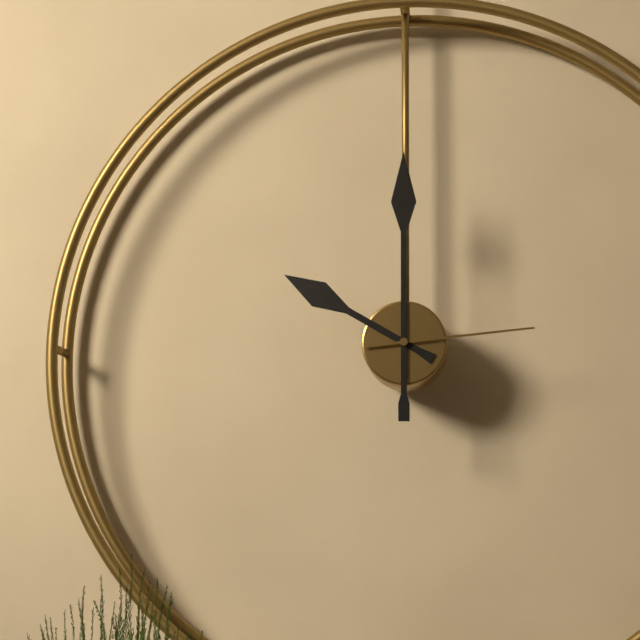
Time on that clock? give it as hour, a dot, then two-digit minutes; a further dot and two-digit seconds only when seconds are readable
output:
10.00.14
